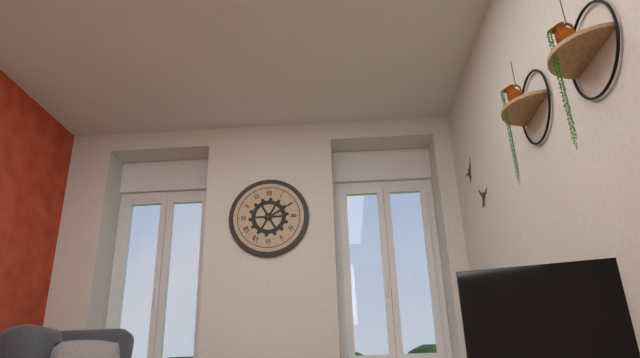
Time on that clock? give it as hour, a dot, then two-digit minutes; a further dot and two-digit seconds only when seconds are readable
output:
2.10
